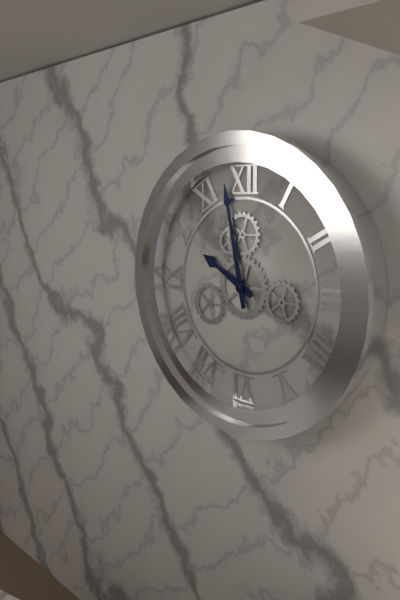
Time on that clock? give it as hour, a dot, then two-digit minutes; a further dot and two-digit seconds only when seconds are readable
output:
9.58
